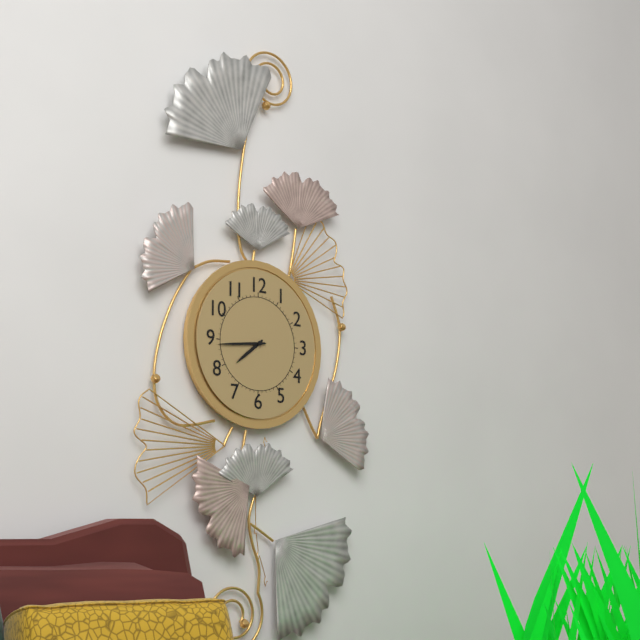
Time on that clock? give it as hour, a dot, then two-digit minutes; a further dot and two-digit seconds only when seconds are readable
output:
7.44
